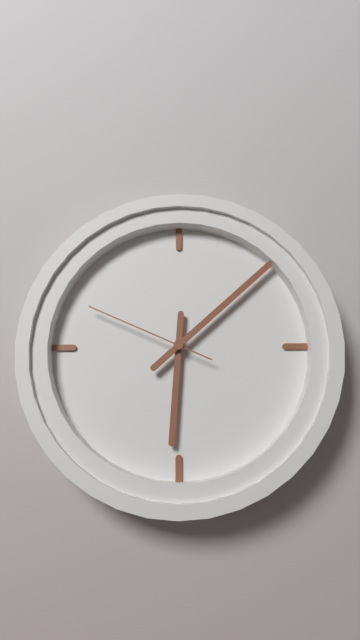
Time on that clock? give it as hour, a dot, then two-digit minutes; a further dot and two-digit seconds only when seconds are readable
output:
6.08.49
